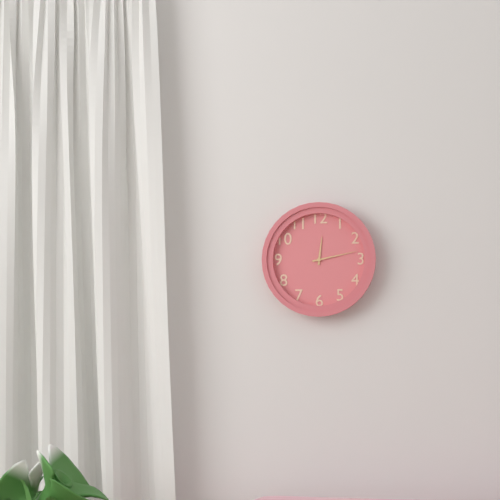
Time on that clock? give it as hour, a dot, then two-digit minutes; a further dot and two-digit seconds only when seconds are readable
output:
12.13
